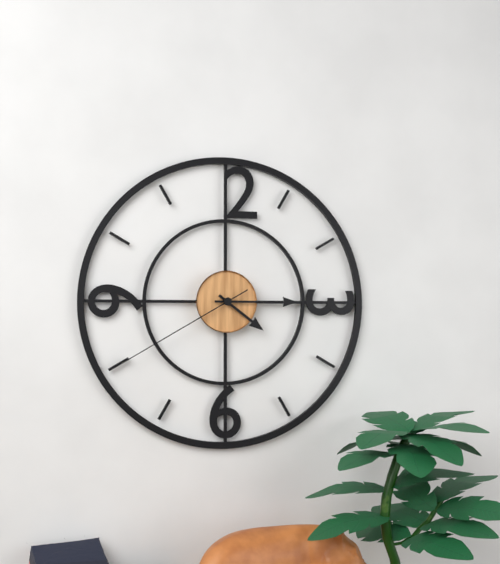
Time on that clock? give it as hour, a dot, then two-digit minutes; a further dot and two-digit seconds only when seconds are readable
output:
4.15.40
